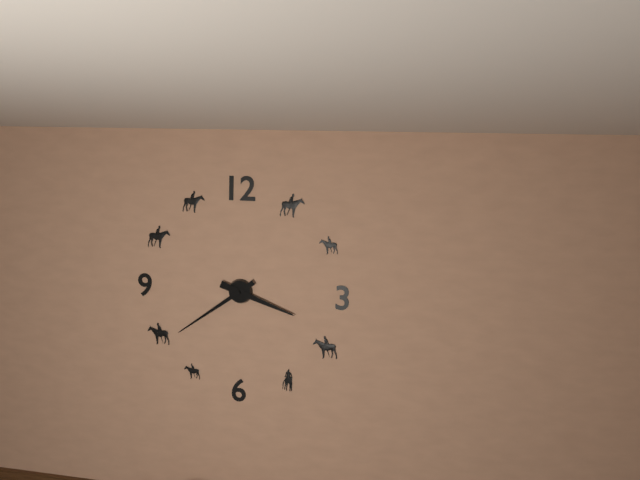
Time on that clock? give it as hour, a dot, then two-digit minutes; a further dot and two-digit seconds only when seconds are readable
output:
3.39
